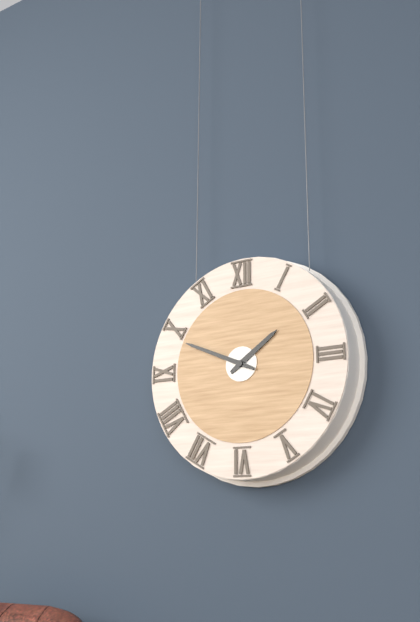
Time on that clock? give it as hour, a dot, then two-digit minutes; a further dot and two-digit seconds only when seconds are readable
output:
1.49
